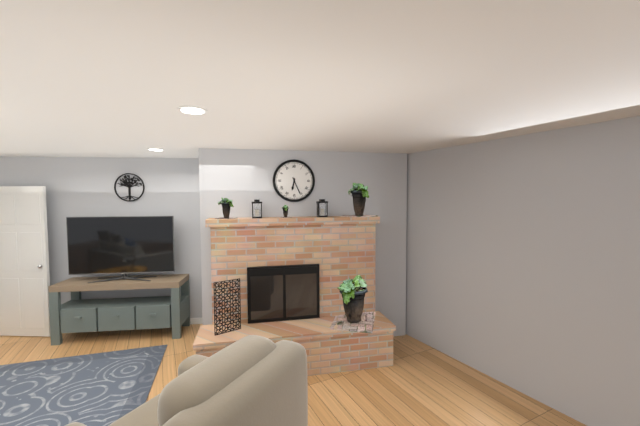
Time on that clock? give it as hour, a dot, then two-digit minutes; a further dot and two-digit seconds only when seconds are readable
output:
6.26
